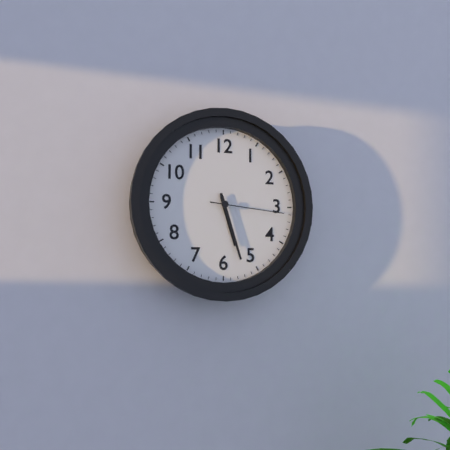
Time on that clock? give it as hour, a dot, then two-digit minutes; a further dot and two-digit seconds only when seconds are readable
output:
5.27.16
